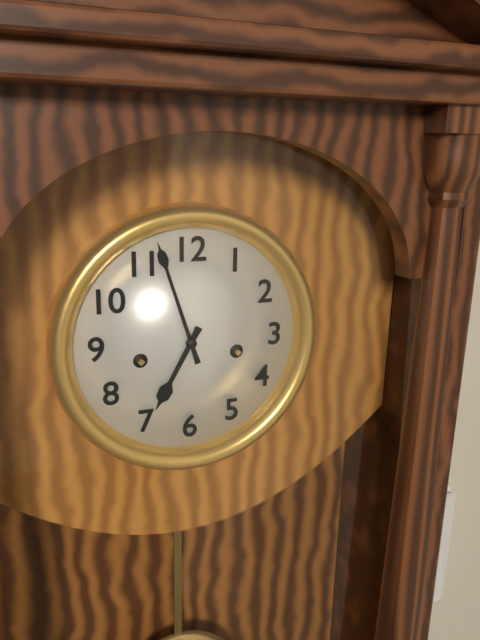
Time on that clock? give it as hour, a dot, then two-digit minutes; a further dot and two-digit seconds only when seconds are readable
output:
6.57
